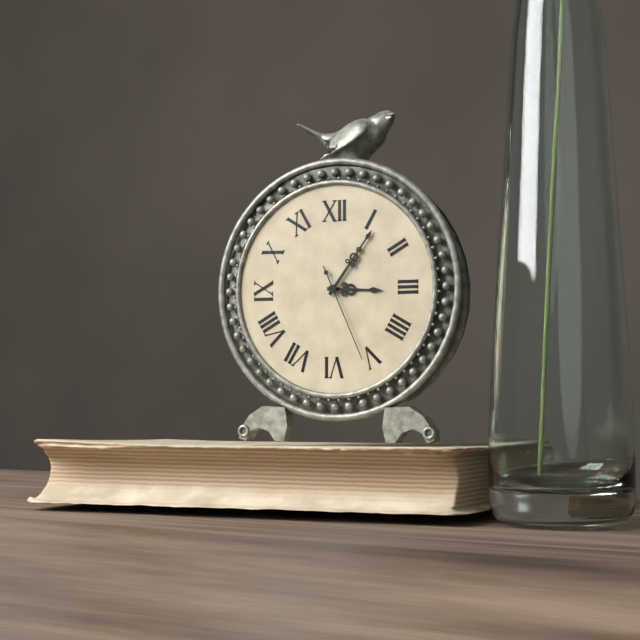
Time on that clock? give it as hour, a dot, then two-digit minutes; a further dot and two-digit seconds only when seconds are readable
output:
3.06.26
